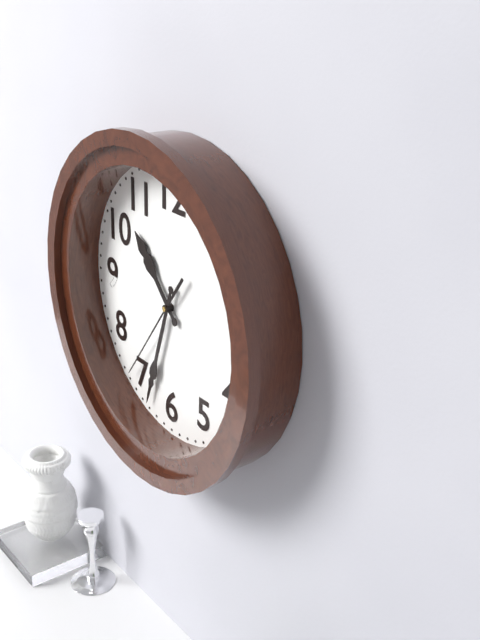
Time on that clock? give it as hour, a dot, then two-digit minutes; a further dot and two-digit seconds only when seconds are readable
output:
10.33.36
